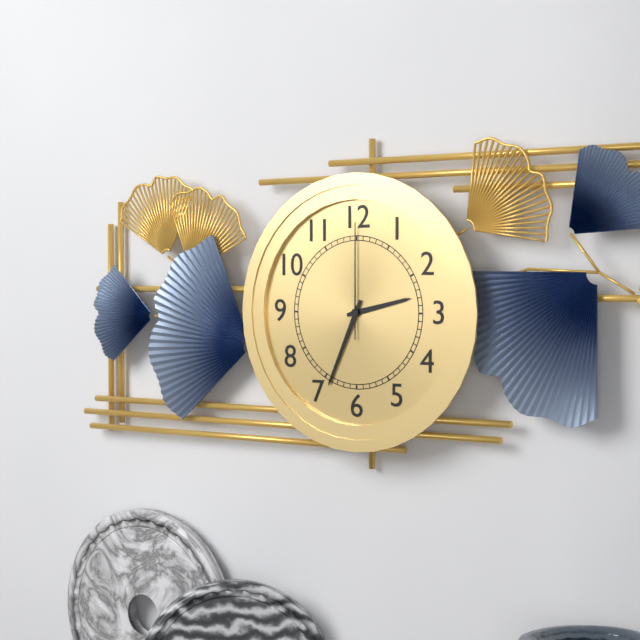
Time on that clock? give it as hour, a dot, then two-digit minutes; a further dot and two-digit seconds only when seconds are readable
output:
2.34.00
